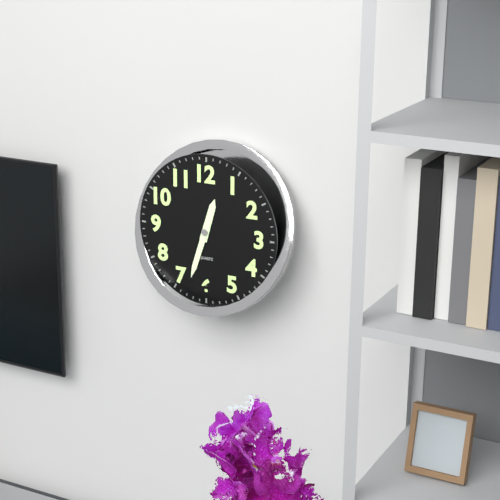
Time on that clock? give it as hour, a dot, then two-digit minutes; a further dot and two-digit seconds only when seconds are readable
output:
12.33
